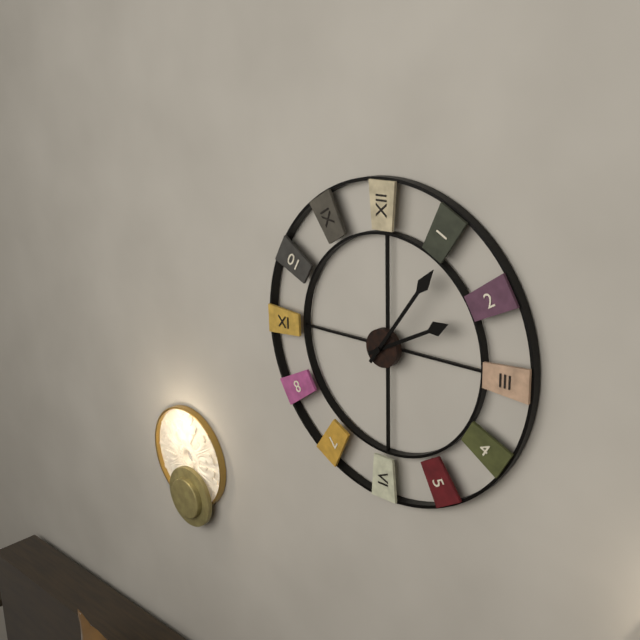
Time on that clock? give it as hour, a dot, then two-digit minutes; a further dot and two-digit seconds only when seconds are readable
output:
2.06
